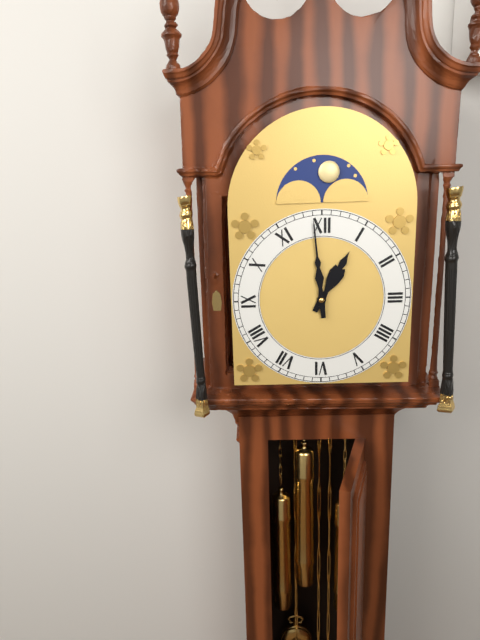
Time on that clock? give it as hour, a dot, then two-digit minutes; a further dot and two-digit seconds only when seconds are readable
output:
12.59
